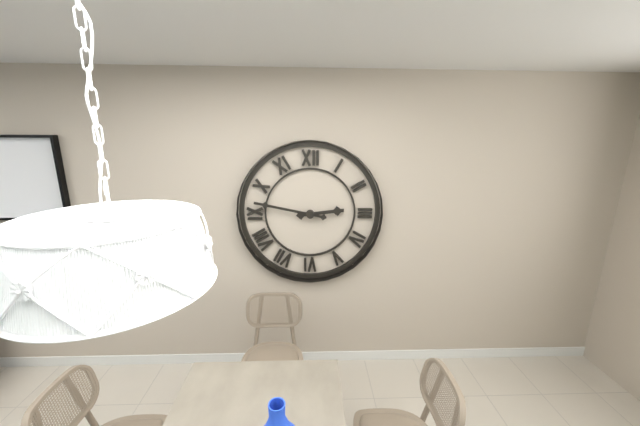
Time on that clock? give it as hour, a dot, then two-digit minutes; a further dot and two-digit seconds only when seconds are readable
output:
2.47
